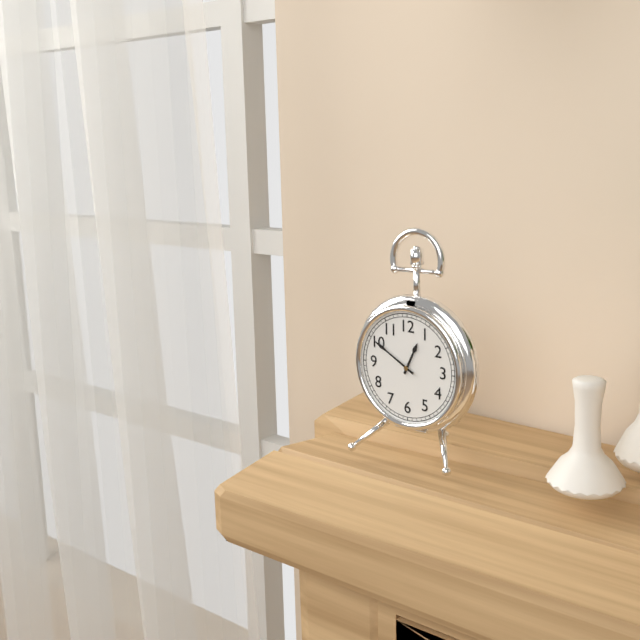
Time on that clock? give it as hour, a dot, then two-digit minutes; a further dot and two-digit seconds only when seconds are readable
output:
12.50
